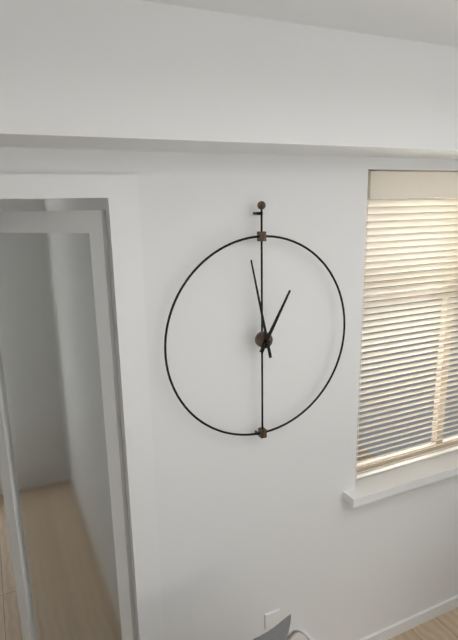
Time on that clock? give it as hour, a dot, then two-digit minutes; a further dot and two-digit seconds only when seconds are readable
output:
12.58
